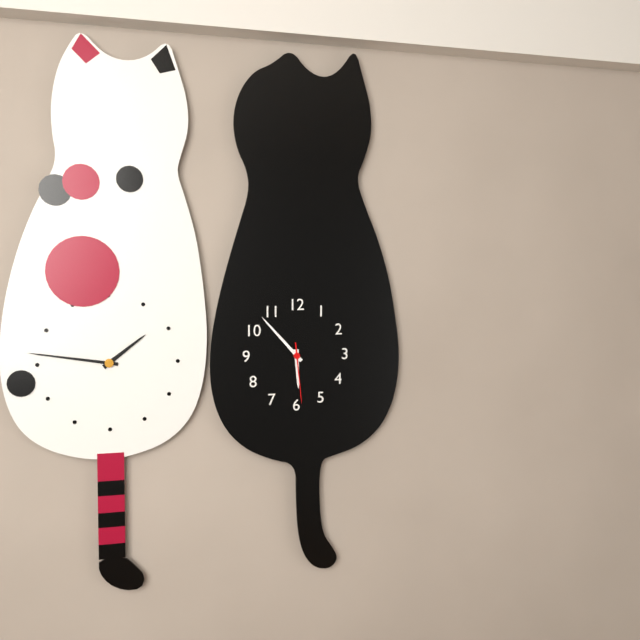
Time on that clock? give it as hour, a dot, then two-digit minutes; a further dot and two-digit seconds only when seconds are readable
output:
5.53.29
